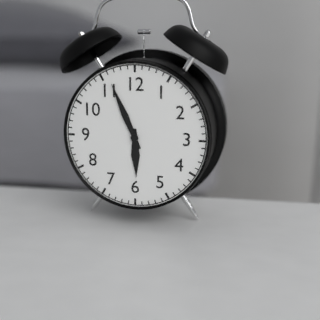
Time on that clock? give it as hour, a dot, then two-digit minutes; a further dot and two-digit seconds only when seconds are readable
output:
5.56
